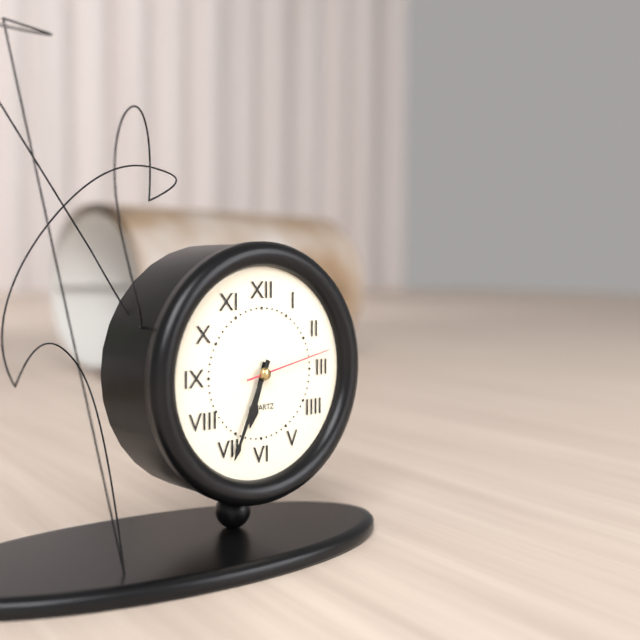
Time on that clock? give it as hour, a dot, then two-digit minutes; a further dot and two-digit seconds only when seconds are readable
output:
6.34.13
